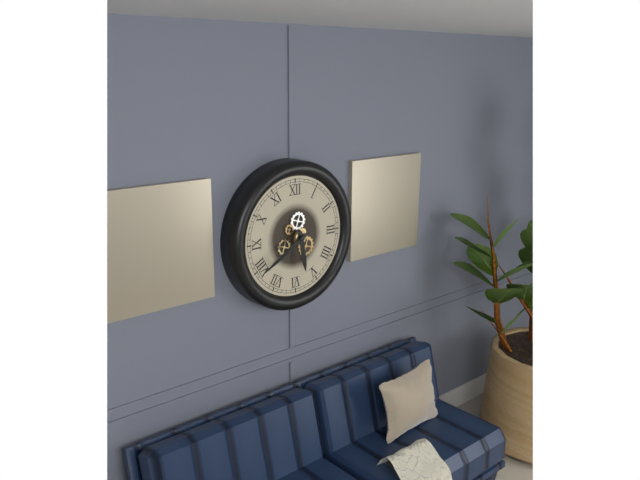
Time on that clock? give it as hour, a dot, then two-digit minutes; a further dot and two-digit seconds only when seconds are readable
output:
5.40
